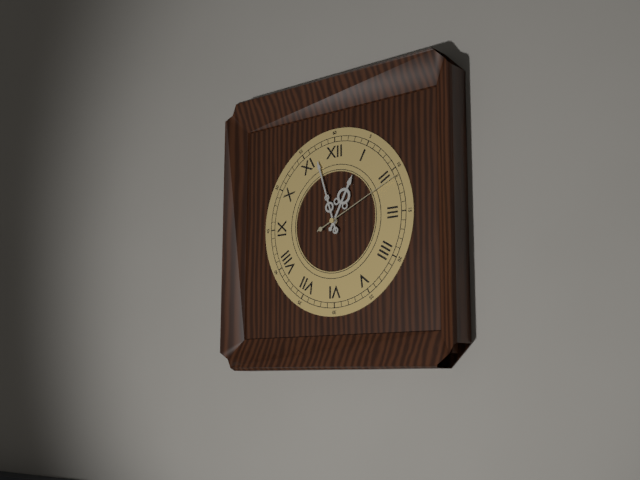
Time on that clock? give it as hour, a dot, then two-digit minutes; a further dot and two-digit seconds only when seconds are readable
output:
12.57.11
